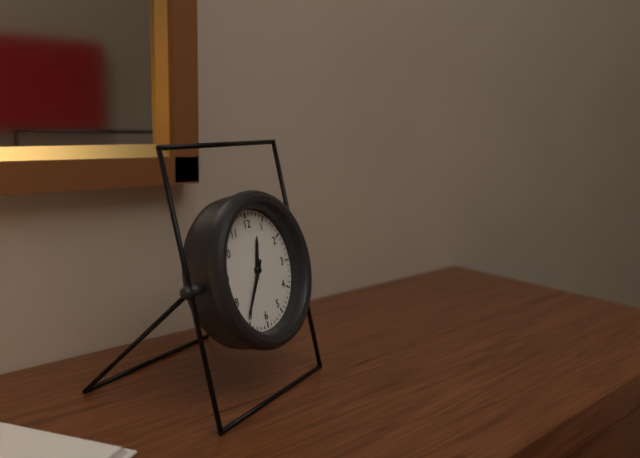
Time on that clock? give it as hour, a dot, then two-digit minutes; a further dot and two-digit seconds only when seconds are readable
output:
12.36
